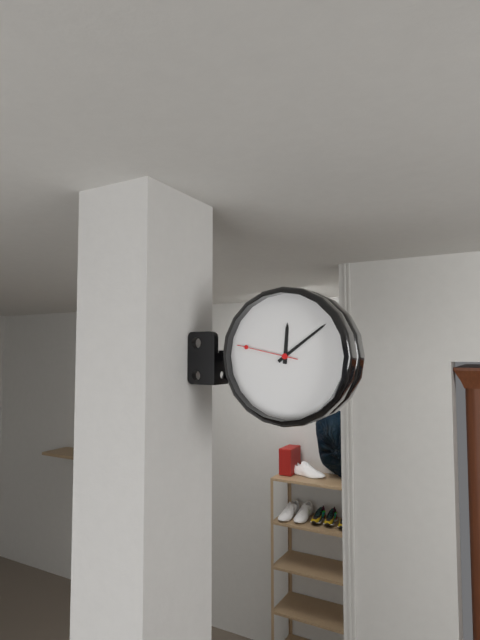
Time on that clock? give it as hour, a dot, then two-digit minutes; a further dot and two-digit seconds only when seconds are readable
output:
12.09.47
